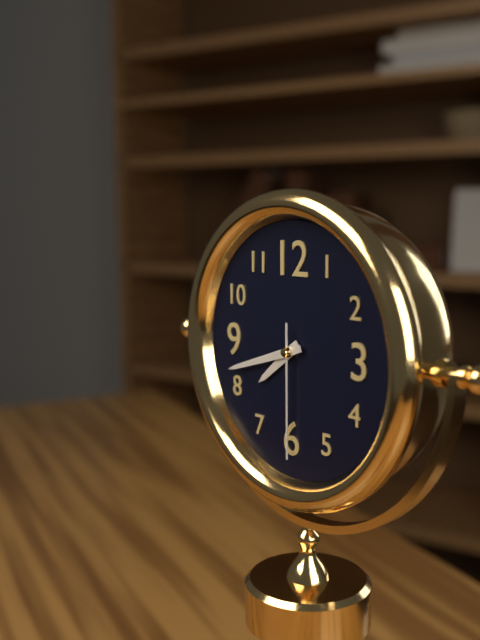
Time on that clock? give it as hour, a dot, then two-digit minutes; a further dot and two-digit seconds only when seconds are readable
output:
7.42.30
